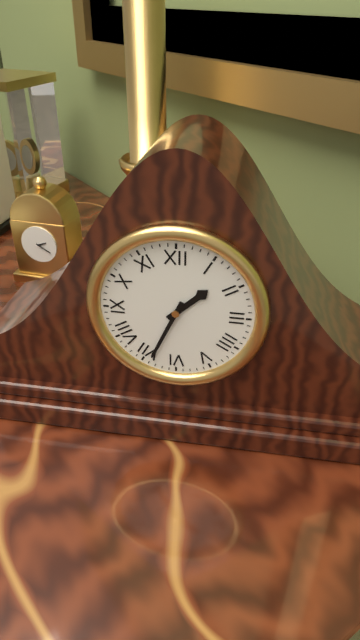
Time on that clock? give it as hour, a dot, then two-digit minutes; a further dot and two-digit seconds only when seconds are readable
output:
1.34
